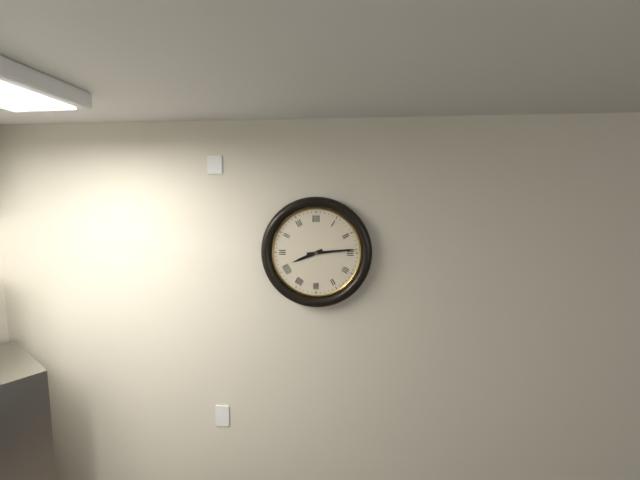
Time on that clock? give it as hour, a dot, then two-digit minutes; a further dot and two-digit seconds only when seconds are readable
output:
8.14
